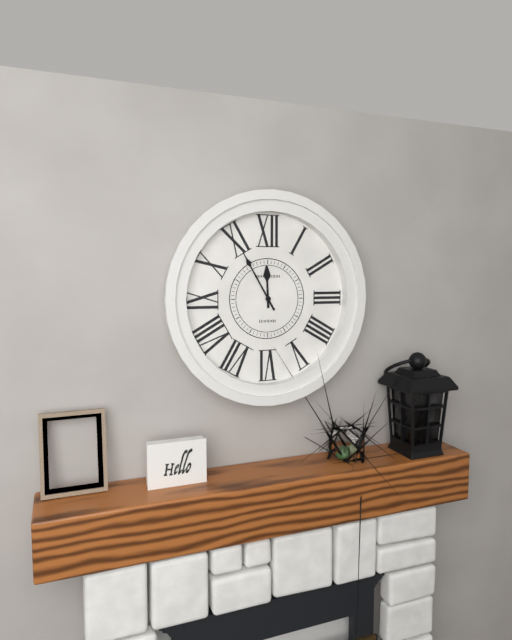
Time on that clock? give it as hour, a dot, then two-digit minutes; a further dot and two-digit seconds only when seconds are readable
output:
11.55
